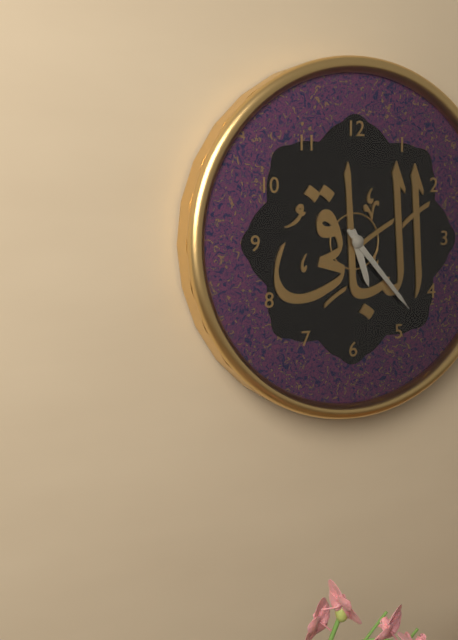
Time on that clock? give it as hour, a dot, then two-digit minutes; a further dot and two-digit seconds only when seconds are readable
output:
5.23
